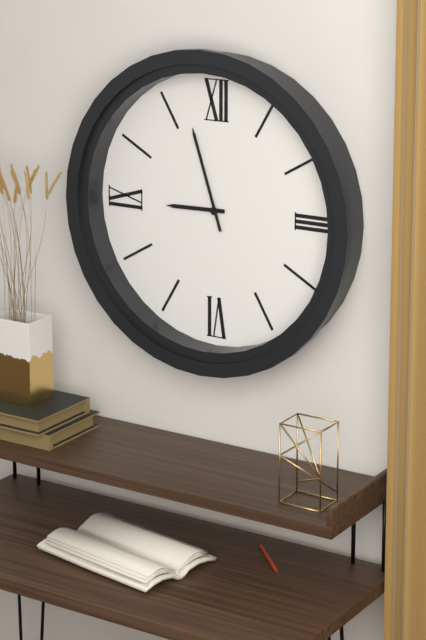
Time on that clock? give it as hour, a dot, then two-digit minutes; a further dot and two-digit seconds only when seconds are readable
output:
8.57
